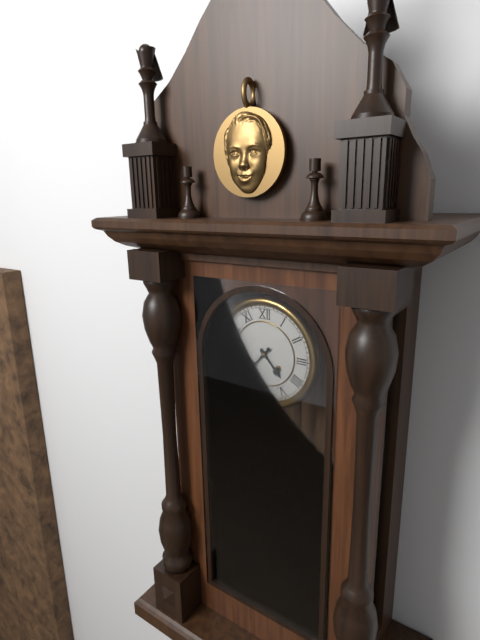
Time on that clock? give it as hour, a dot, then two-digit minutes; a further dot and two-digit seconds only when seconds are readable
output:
4.37
